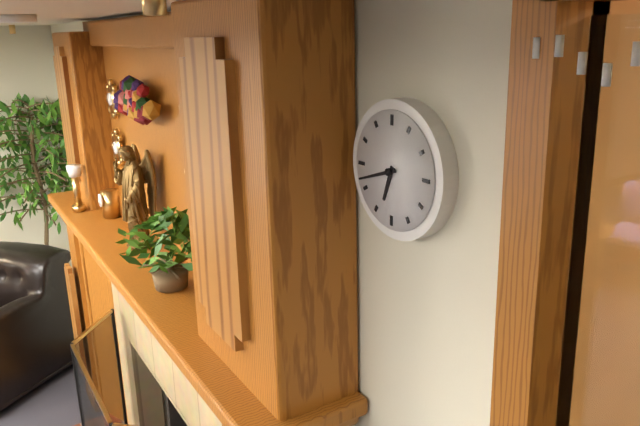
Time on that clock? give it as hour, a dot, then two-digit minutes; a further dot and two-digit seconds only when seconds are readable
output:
6.42
